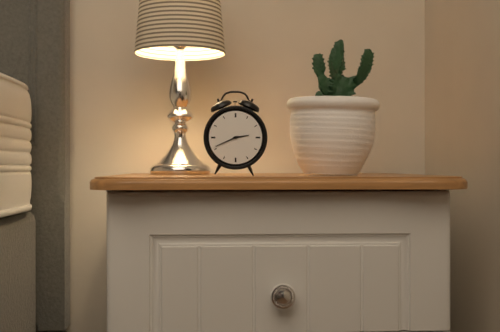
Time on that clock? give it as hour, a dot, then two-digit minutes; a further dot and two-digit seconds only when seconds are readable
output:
2.41
